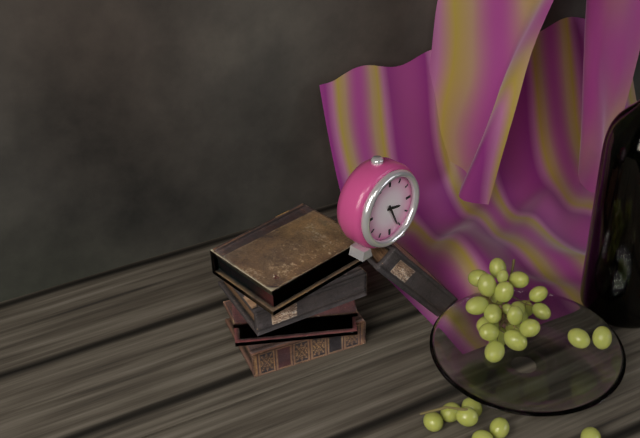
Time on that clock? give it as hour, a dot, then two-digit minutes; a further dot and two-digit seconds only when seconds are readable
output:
3.26
